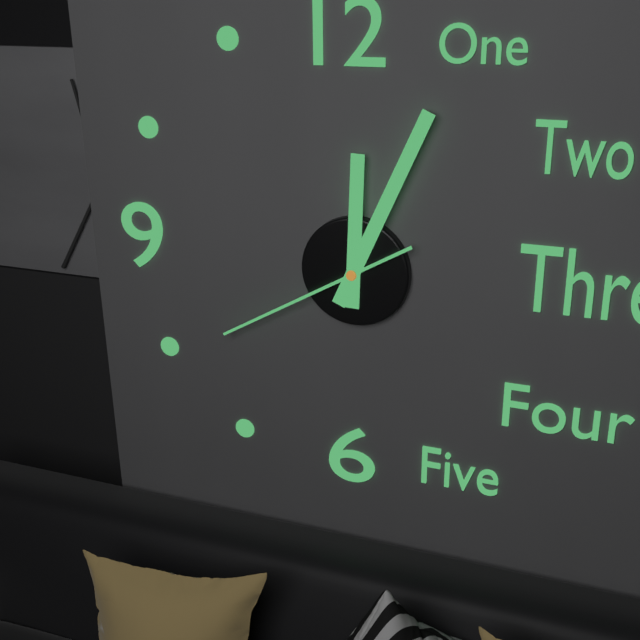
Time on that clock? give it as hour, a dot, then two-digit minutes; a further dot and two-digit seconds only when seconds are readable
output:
12.04.40
